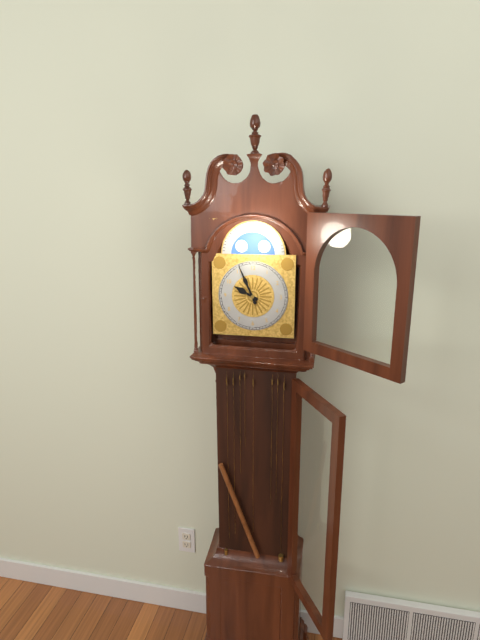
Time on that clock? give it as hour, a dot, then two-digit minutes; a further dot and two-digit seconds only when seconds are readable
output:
9.56
